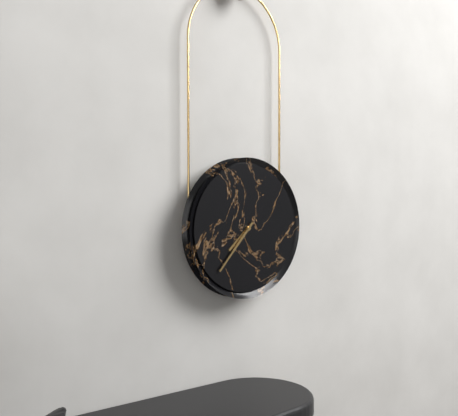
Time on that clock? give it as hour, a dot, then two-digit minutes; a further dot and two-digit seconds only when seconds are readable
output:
7.37
